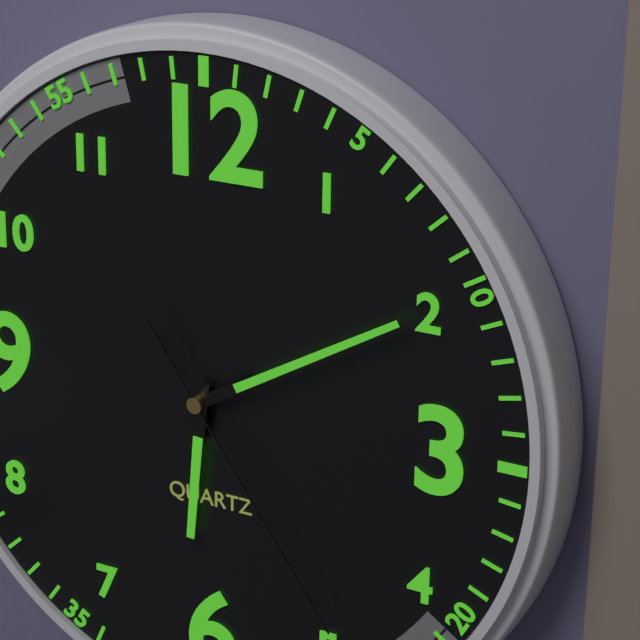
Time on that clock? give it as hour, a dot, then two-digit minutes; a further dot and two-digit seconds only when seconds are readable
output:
6.10.24
